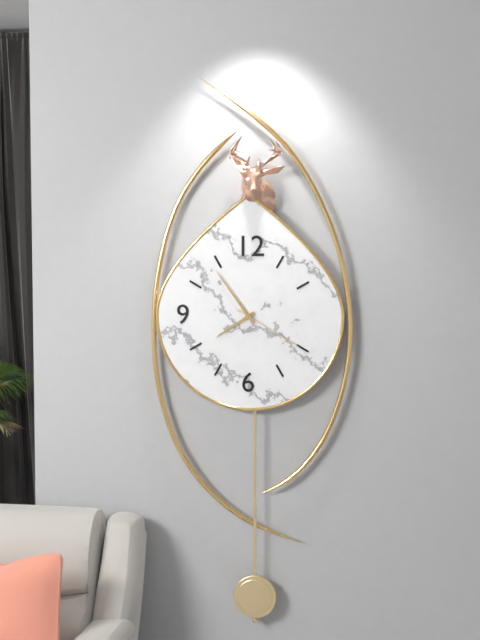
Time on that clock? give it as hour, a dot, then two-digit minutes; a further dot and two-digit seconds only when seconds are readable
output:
7.54.20
